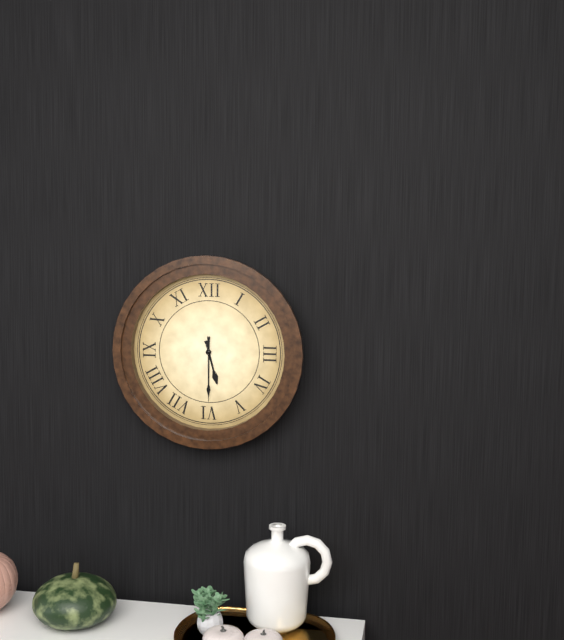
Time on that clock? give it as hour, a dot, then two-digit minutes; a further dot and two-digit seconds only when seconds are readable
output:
5.30
